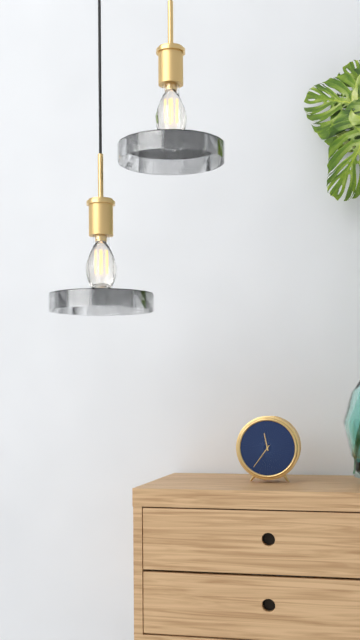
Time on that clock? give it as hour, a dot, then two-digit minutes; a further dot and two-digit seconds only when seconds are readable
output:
11.36
